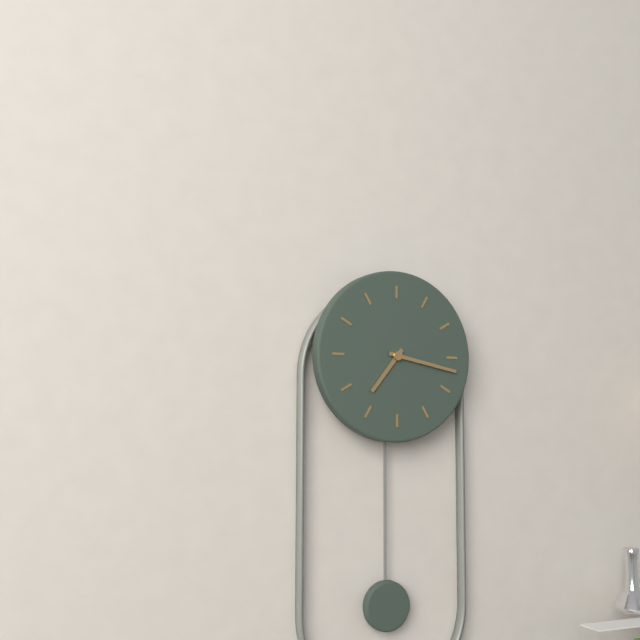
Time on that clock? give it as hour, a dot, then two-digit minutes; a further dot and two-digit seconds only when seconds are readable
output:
7.17
